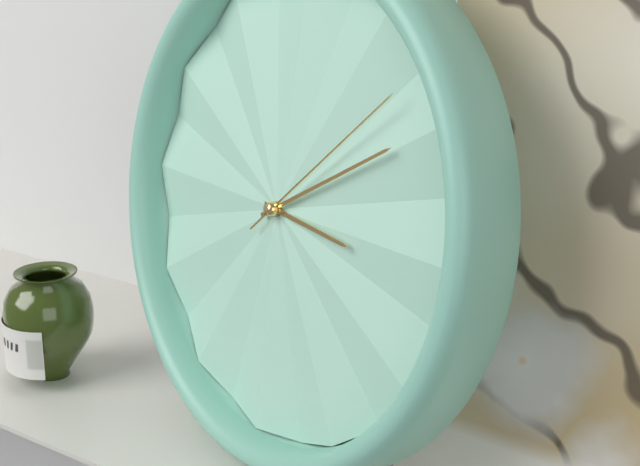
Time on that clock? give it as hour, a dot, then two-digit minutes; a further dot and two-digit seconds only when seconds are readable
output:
3.10.08
